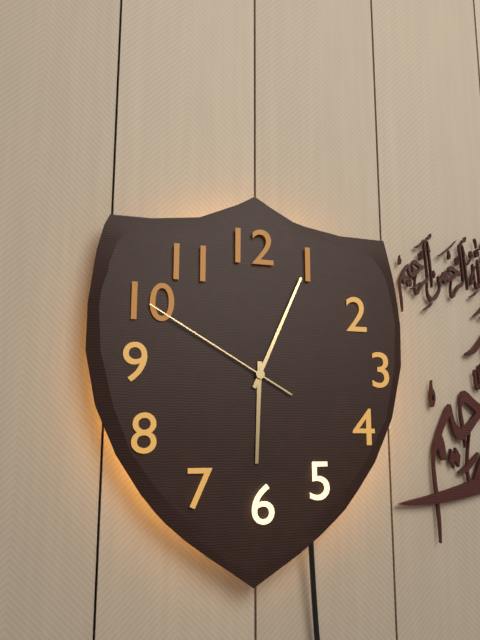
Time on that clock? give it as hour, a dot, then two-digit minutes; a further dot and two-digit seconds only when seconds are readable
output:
6.04.50
